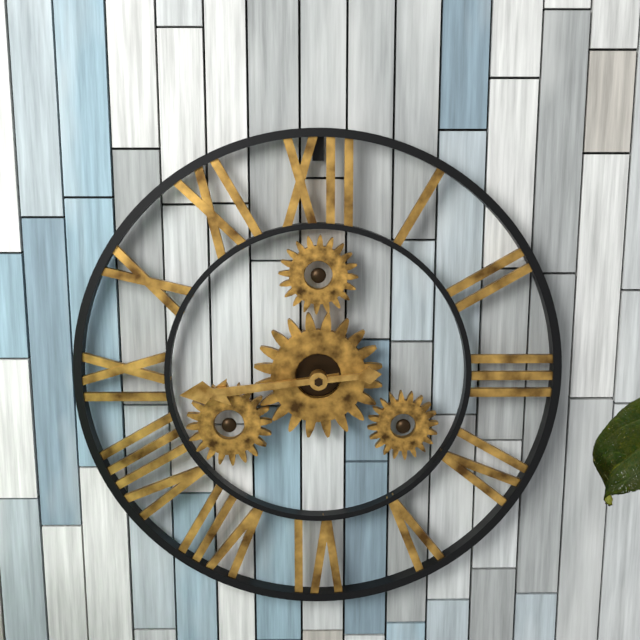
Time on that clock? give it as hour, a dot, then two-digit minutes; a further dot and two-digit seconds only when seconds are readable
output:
8.44
